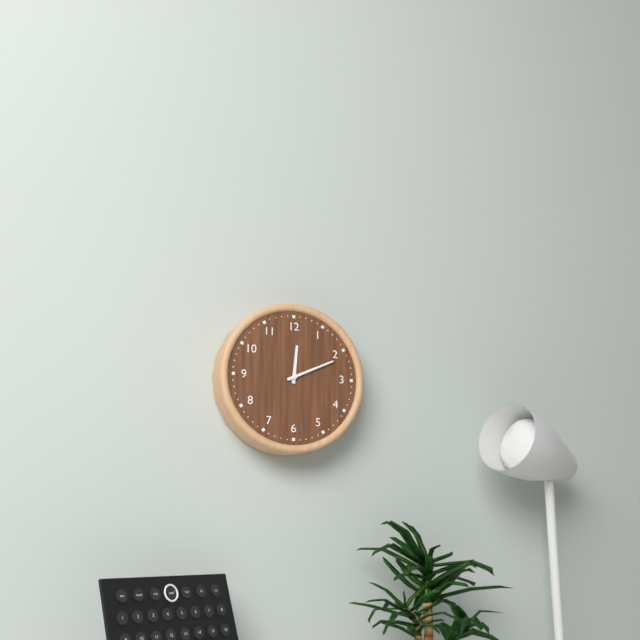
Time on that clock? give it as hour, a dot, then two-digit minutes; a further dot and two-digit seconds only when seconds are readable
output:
12.11
